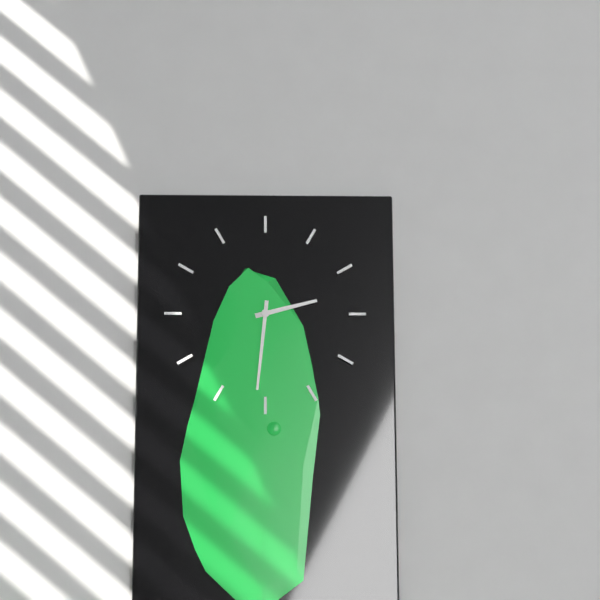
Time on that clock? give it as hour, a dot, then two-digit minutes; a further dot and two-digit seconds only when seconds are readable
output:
2.31
